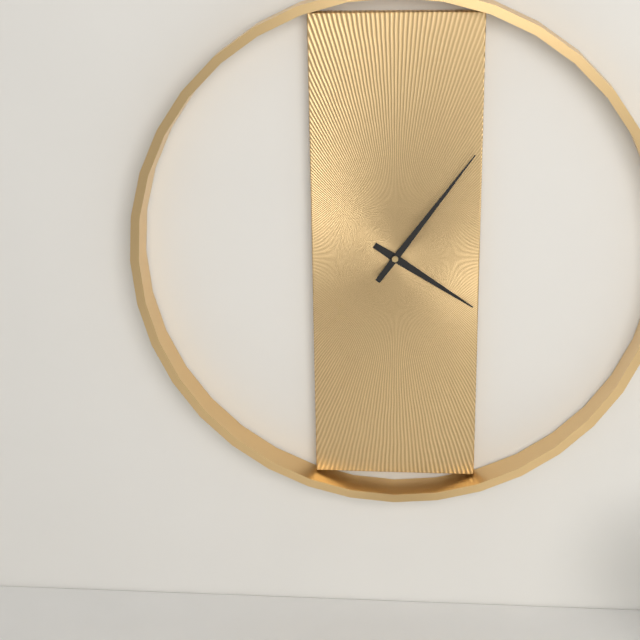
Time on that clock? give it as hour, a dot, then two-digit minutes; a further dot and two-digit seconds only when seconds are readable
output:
4.06
